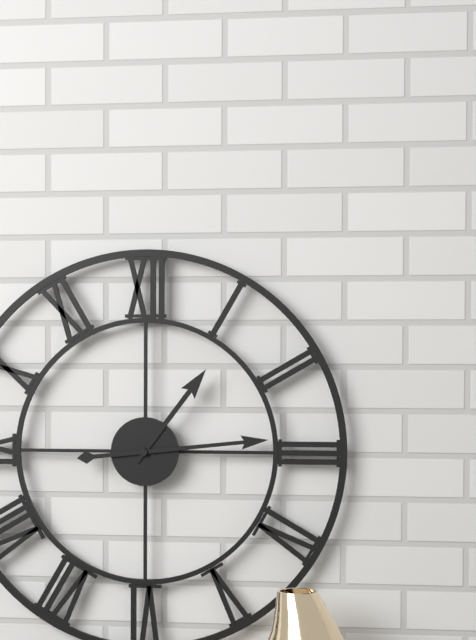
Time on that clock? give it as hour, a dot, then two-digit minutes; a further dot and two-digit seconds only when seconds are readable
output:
1.14
